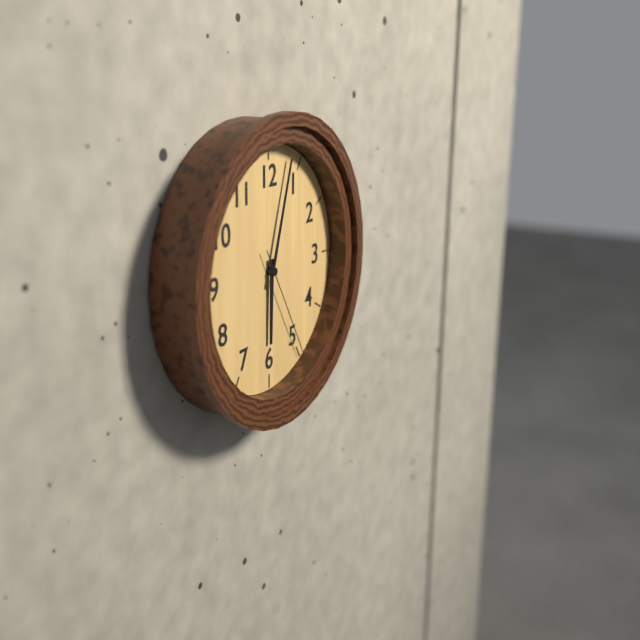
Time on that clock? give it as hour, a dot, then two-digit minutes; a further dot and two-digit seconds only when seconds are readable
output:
6.03.25
